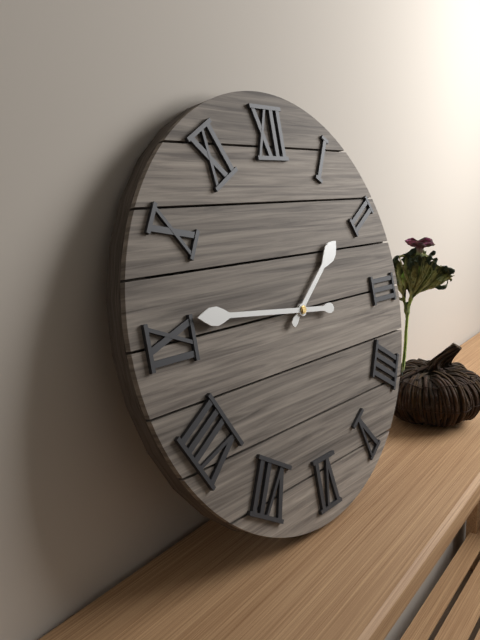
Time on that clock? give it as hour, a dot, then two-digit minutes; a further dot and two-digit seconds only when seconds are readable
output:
1.46
